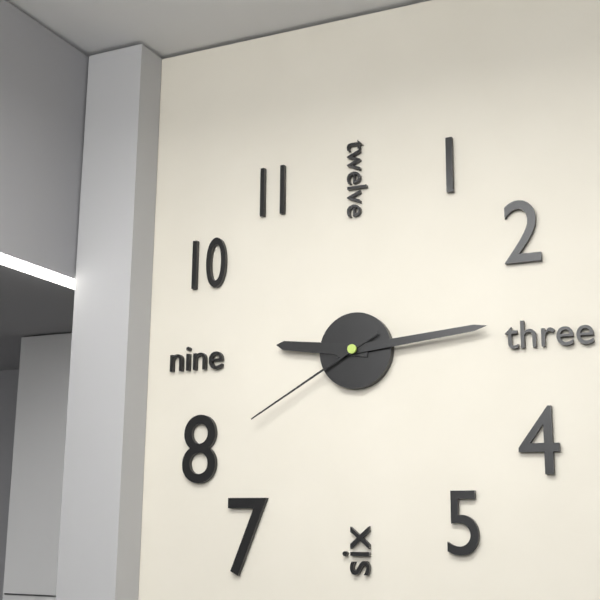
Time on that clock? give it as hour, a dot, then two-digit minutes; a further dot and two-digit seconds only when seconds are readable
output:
9.14.40
